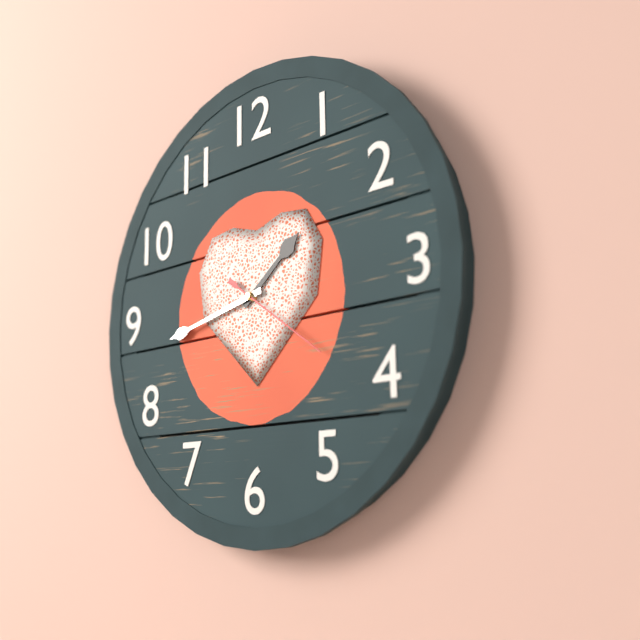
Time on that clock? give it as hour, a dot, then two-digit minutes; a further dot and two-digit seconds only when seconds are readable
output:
1.43.21
